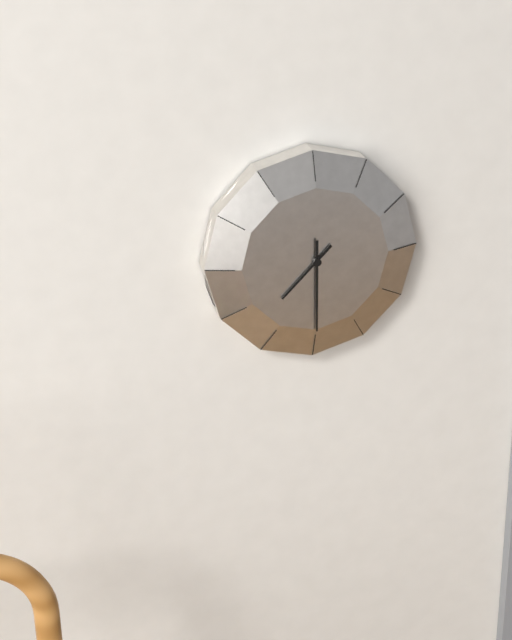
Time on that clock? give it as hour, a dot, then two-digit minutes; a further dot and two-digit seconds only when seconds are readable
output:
7.30
